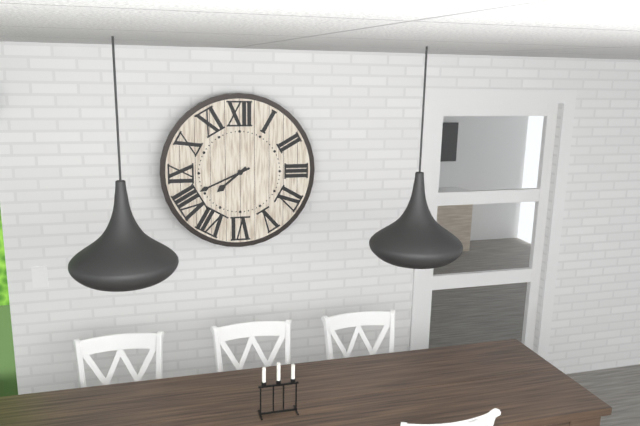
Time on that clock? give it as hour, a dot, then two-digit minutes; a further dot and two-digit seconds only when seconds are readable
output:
7.41
